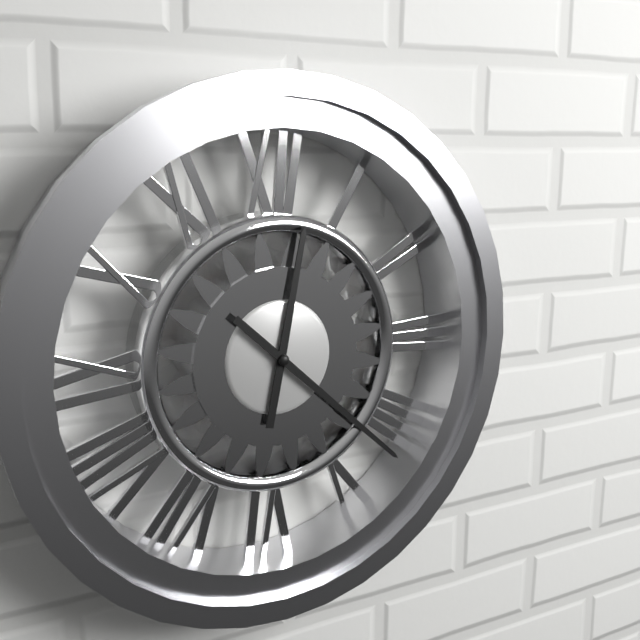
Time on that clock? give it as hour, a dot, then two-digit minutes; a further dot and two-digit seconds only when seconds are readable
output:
12.22
